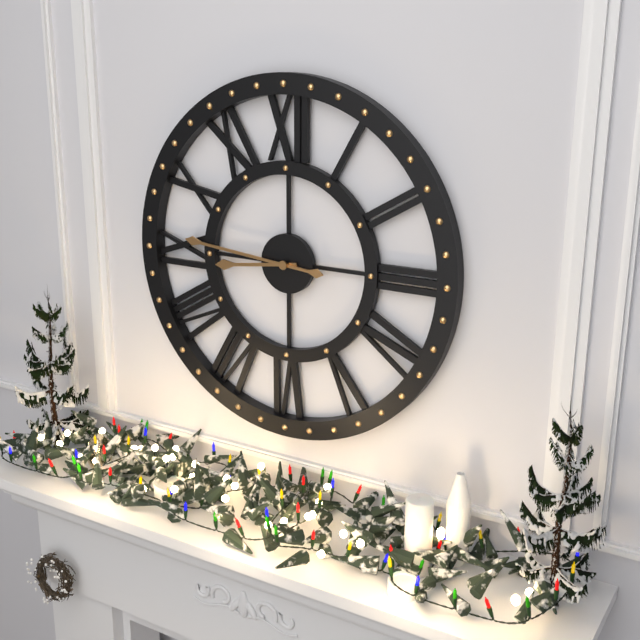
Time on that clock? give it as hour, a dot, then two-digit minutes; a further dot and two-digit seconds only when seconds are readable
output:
8.46
